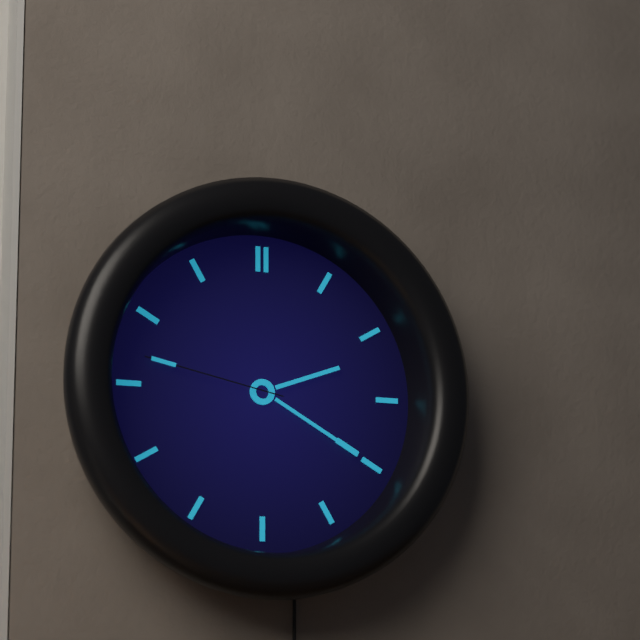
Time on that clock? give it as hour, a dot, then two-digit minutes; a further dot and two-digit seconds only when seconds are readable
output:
2.20.47
